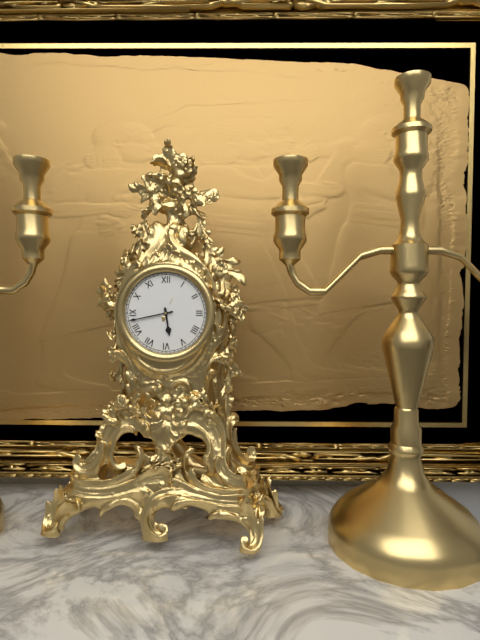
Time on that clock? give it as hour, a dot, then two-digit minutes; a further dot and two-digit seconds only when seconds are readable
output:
5.43
